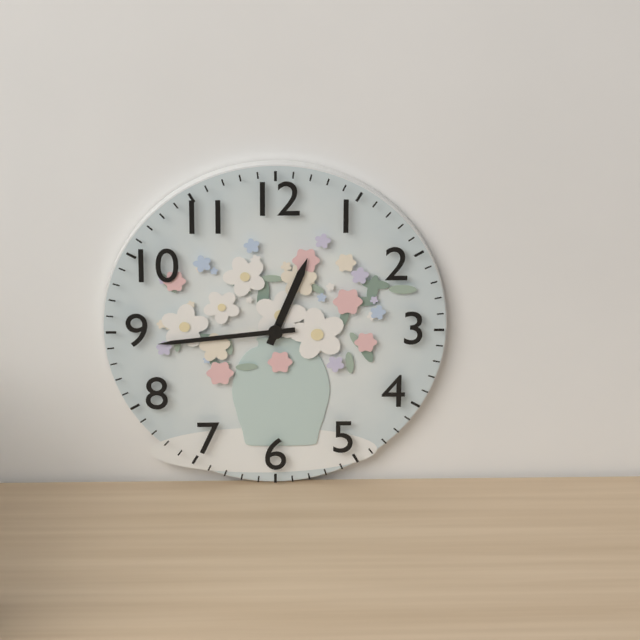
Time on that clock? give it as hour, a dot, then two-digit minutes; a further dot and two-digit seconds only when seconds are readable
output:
12.44
